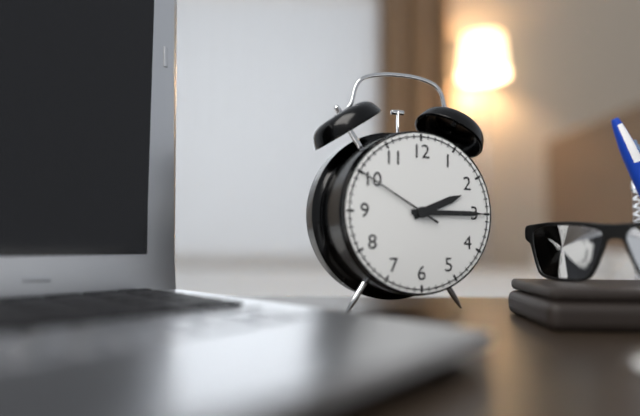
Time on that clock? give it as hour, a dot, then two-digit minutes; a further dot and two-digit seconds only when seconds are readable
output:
2.15.50
